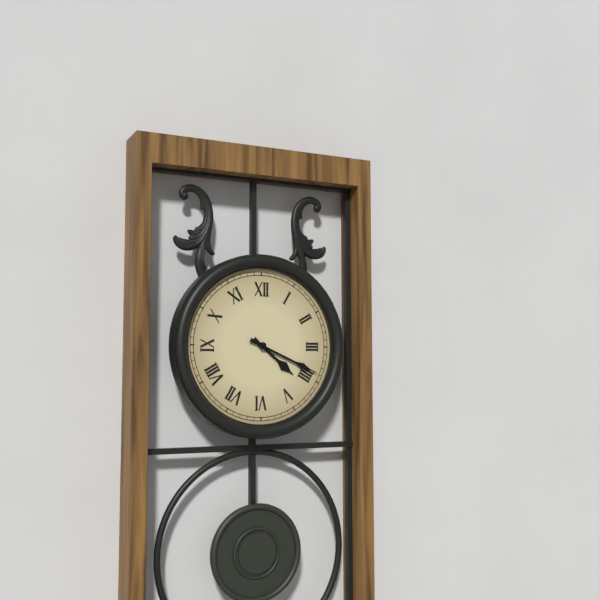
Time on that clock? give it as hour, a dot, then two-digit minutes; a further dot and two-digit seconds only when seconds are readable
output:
4.19
